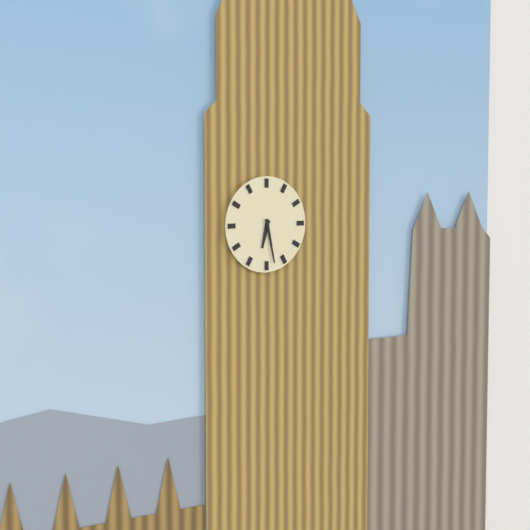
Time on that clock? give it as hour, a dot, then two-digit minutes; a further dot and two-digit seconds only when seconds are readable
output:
6.28
